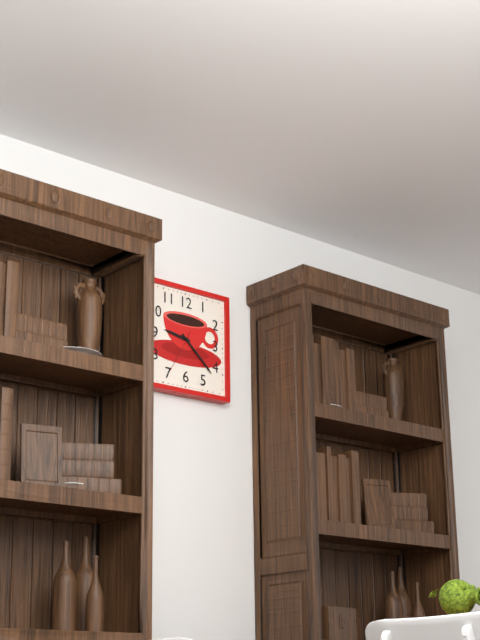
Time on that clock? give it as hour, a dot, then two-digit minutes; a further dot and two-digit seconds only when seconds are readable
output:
9.22
